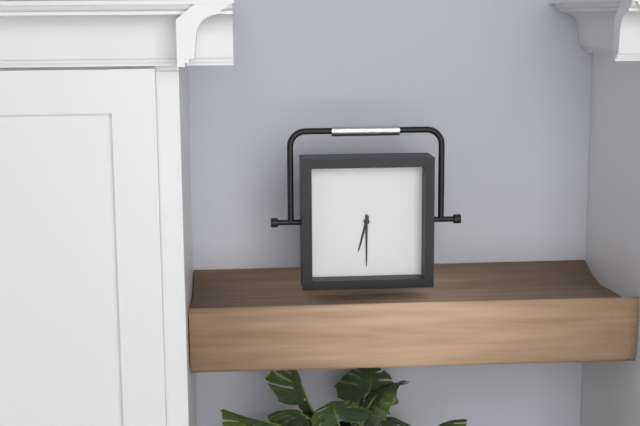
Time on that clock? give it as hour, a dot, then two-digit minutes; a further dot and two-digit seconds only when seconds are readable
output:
6.30
